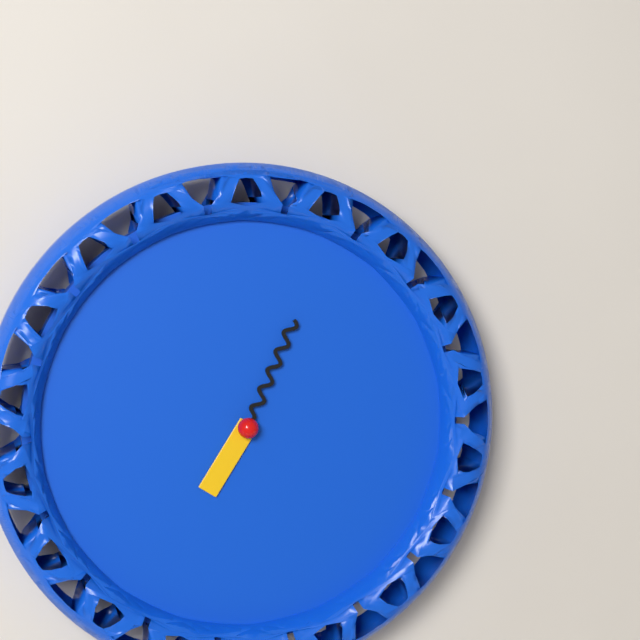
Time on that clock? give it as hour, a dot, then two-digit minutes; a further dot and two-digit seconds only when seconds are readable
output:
7.04
